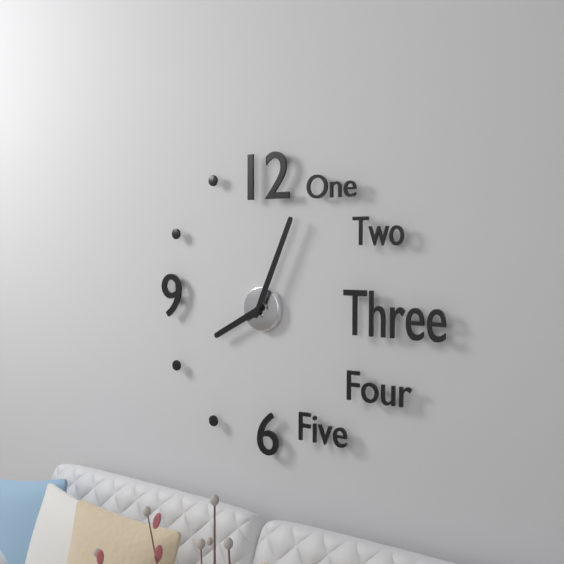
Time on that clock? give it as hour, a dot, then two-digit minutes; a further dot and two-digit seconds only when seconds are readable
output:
8.04
